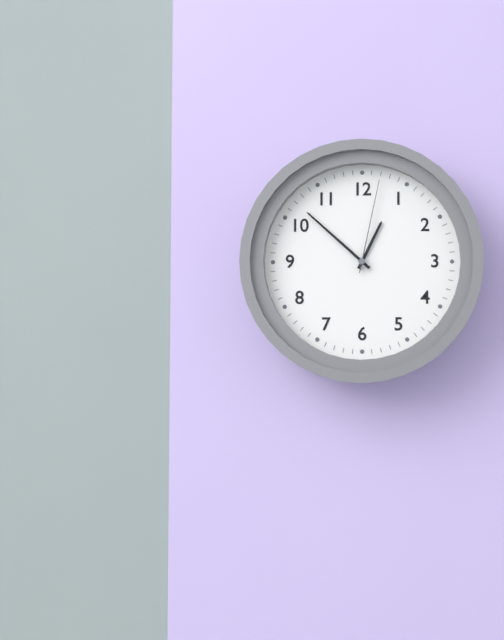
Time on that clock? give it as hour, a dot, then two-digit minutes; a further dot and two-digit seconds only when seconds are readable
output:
12.52.02
